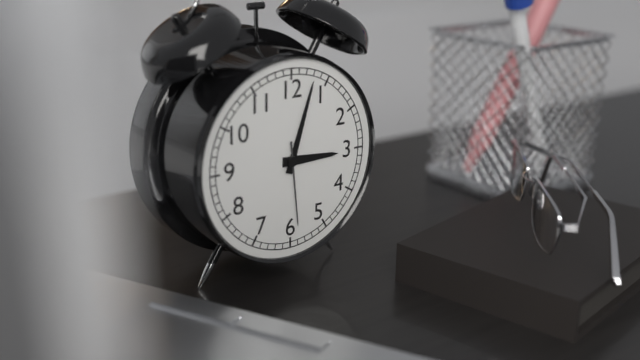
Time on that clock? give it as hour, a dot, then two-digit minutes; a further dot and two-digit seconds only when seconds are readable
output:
3.03.29
